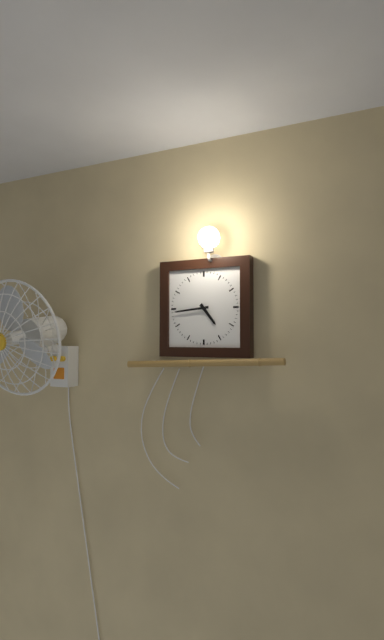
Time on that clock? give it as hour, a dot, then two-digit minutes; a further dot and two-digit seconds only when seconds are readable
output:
4.44
